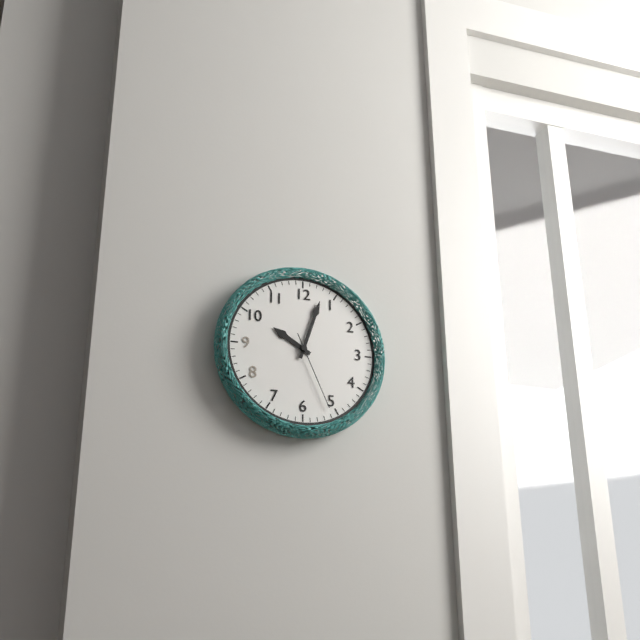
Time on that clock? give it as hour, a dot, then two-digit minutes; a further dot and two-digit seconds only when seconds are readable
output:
10.03.26
